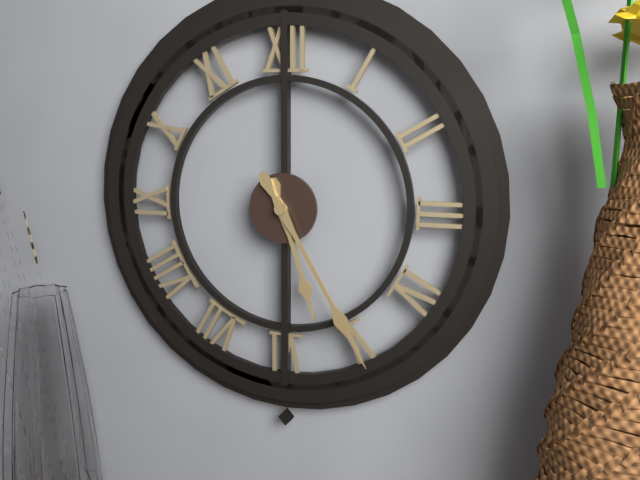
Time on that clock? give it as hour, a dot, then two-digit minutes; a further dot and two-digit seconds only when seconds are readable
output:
5.25
